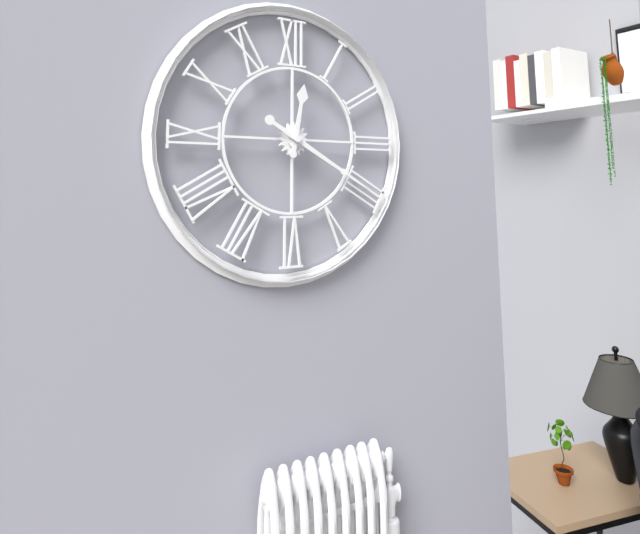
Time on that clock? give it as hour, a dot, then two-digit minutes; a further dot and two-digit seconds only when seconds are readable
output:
12.20
